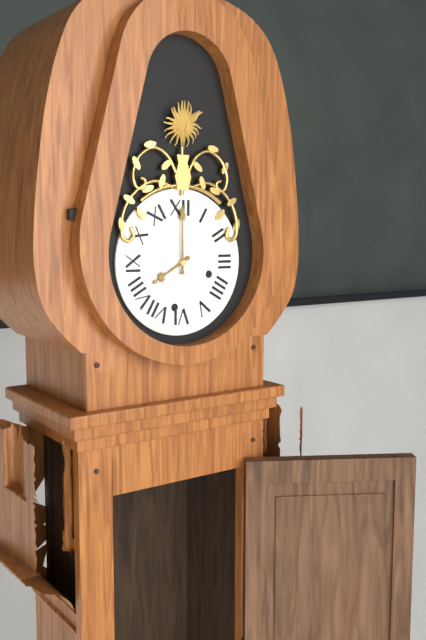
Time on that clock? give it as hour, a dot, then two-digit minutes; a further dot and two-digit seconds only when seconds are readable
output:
8.00
